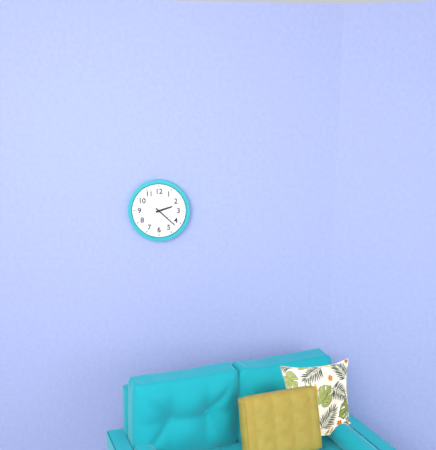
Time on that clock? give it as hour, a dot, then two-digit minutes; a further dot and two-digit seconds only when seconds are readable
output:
2.22
